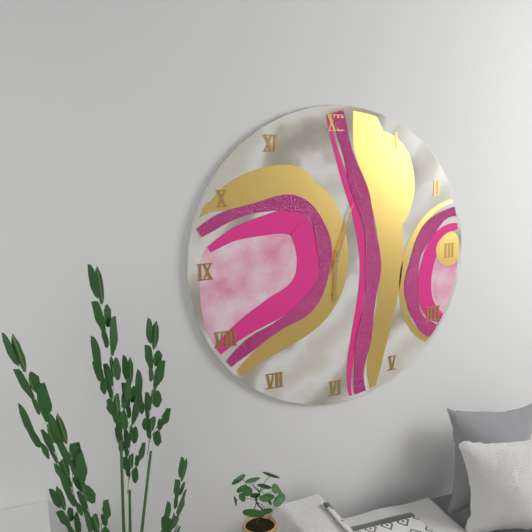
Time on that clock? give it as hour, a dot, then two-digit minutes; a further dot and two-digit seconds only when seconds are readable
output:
6.03
